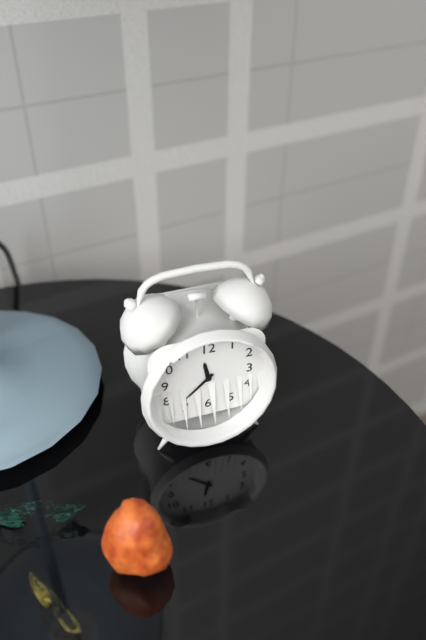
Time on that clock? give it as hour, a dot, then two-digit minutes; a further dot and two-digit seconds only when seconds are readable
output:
11.38
